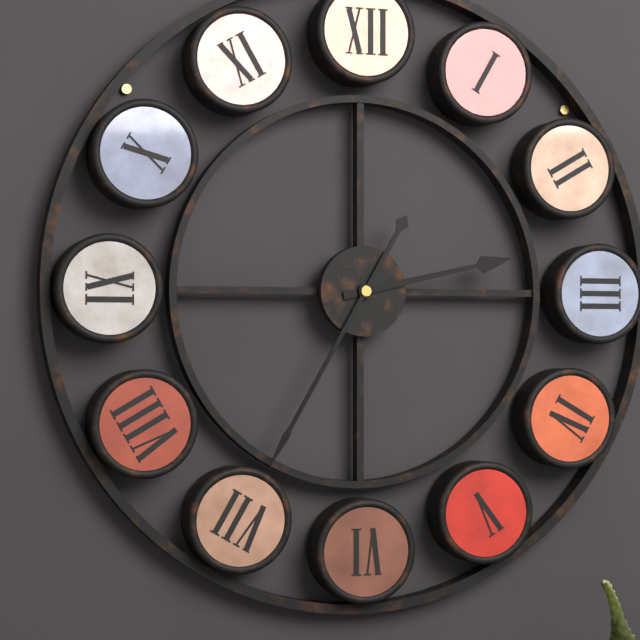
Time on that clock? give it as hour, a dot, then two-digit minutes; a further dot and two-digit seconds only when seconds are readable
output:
2.35
